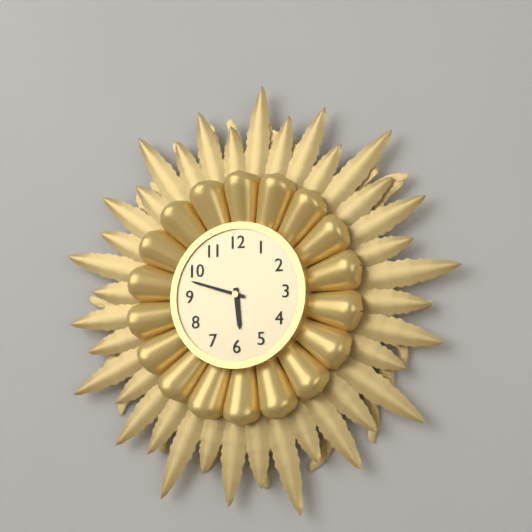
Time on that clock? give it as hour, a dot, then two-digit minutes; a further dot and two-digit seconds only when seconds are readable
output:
5.48
